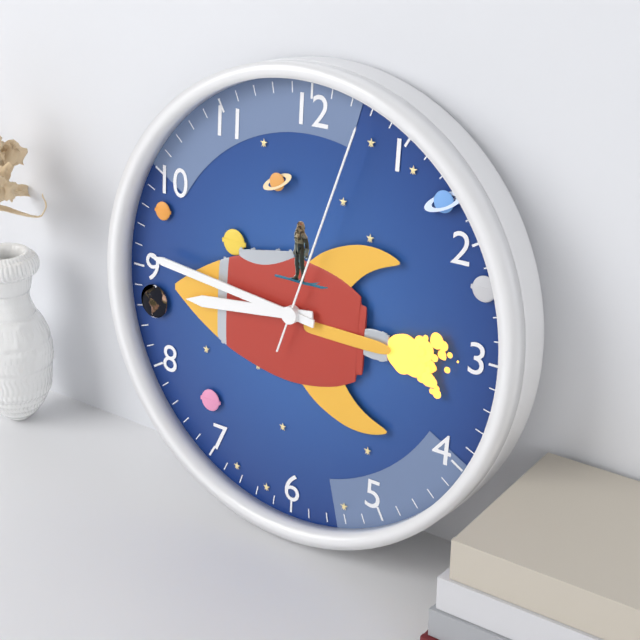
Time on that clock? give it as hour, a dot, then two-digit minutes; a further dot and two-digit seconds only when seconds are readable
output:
8.46.03
